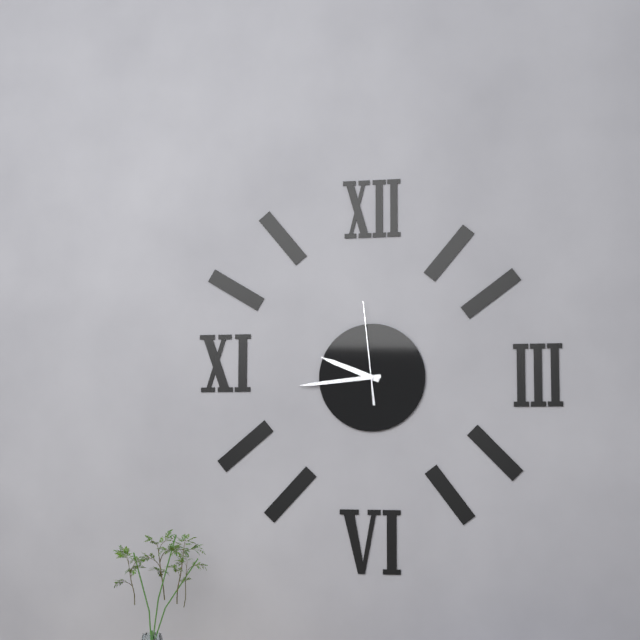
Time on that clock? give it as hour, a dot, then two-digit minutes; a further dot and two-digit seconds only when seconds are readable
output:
9.44.59
